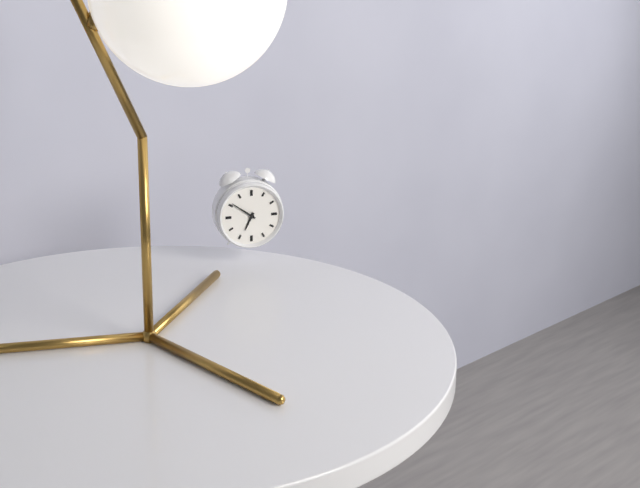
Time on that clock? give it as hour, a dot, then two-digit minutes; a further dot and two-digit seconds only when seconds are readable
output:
6.51
